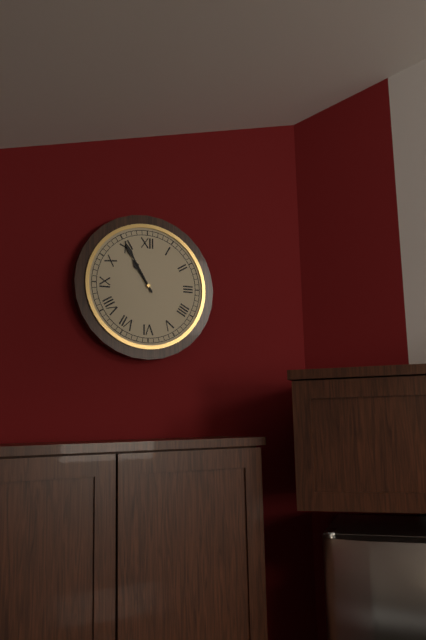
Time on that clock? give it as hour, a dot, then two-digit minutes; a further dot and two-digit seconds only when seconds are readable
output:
10.55
